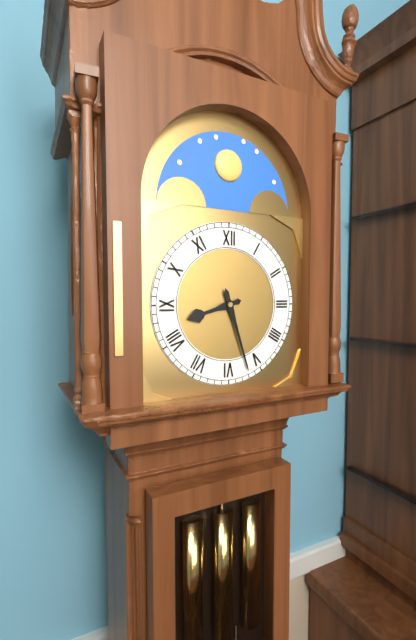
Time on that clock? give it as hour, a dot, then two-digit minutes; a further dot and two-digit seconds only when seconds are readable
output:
8.27
